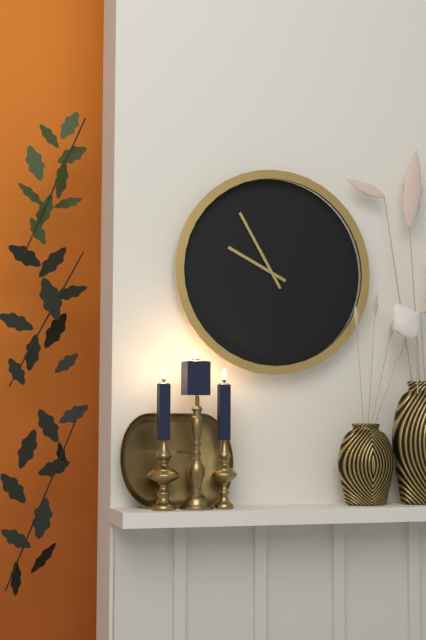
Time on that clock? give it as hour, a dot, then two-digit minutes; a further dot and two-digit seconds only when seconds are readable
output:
9.55
